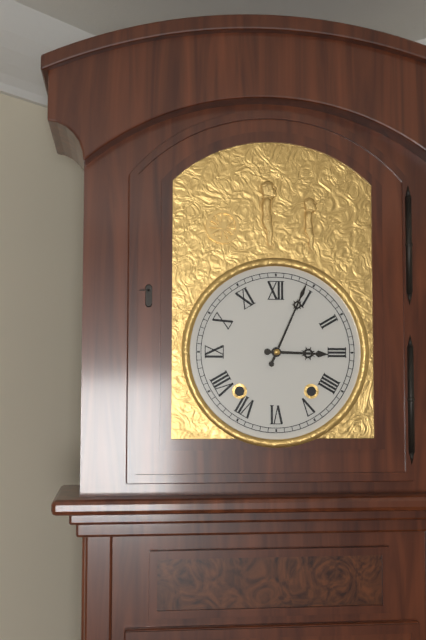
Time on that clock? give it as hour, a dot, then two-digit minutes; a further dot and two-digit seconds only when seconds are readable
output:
3.04
